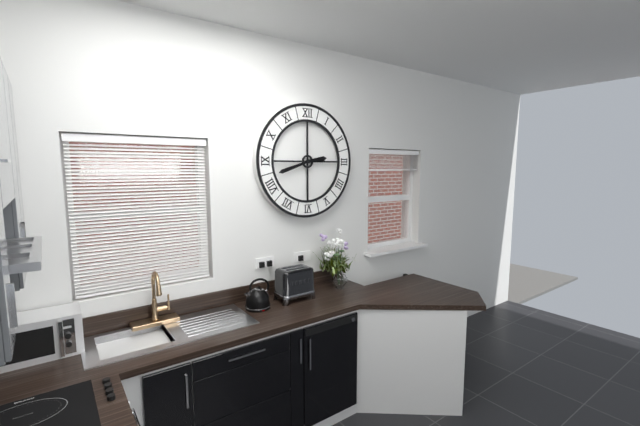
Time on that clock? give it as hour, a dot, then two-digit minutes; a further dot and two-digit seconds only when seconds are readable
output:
2.42
